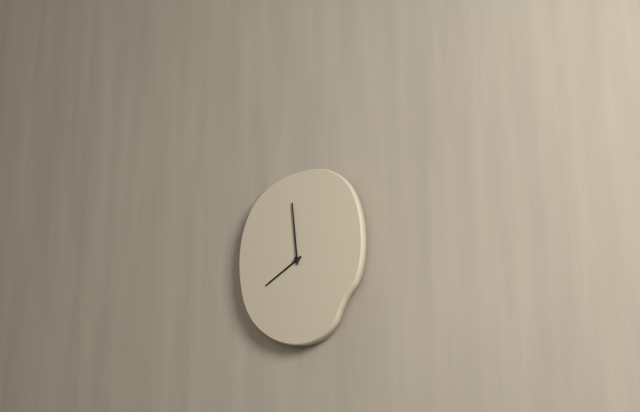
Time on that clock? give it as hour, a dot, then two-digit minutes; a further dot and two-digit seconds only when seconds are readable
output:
7.59
